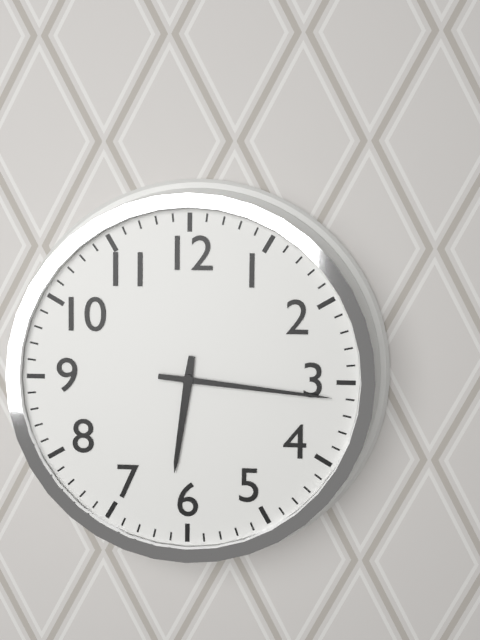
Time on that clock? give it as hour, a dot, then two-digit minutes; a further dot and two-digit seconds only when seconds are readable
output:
6.16
